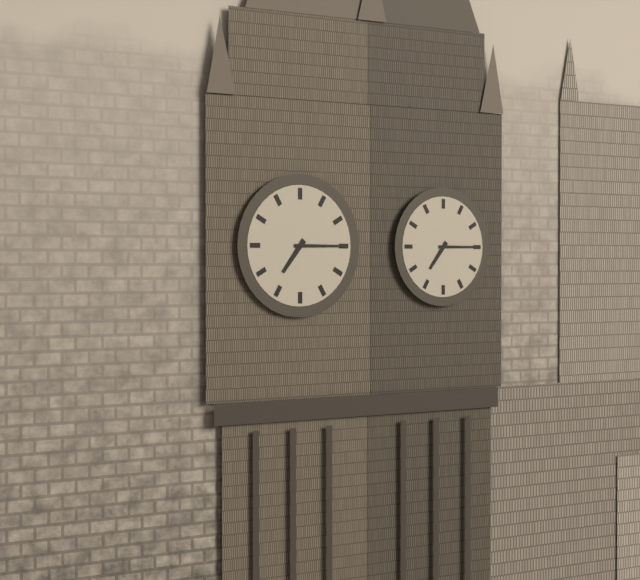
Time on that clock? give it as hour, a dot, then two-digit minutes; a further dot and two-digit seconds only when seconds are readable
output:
7.15
